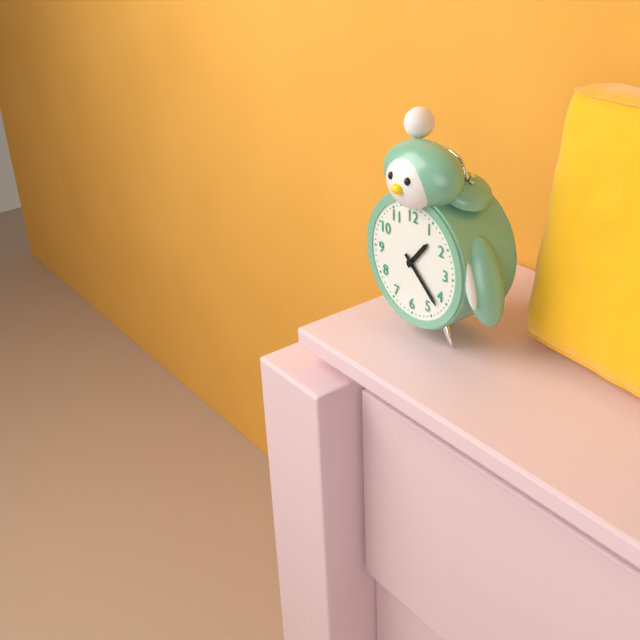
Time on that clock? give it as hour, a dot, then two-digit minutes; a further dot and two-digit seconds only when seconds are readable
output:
1.22
